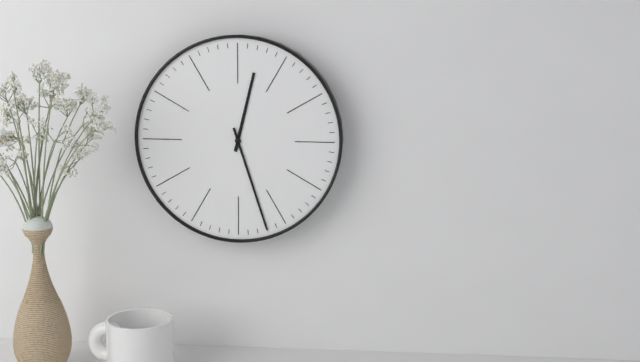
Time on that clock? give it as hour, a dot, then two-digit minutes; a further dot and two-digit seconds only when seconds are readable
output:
12.27
